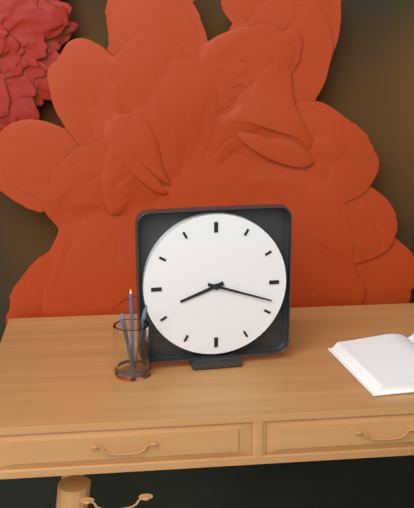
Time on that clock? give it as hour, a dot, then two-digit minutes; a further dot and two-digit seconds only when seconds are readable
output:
8.18
